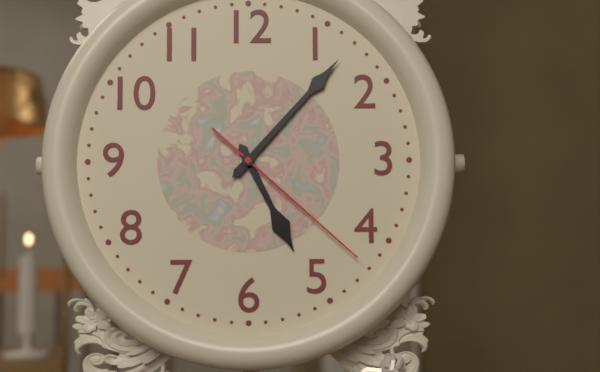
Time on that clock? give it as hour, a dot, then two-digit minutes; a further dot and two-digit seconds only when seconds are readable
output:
5.07.22
